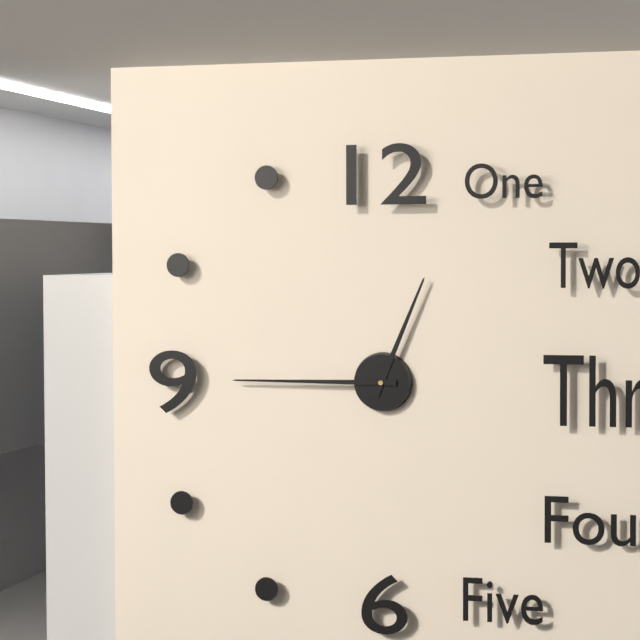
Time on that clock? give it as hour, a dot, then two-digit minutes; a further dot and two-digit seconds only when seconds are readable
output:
12.45
